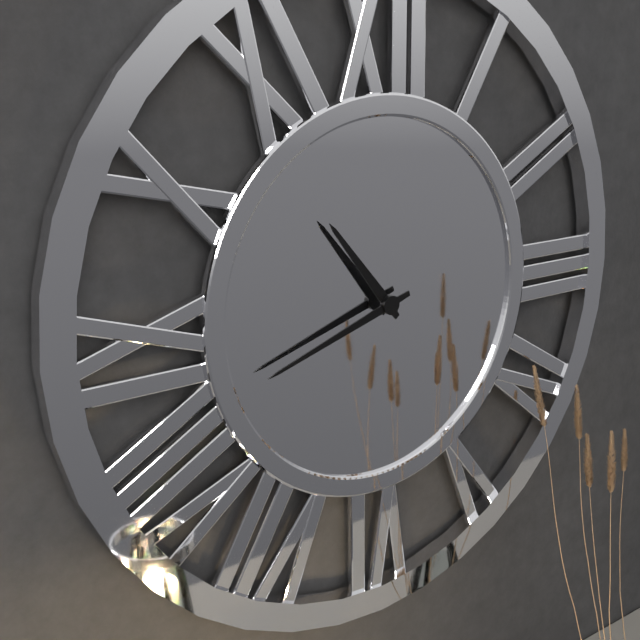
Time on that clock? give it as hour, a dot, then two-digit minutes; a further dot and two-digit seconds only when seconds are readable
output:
10.42
